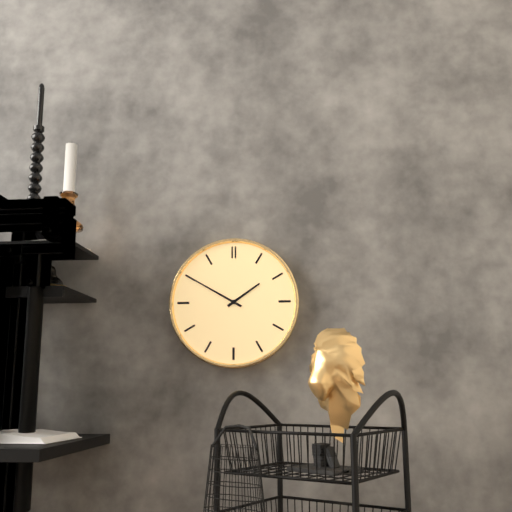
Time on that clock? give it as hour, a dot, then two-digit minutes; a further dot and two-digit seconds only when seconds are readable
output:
1.50
